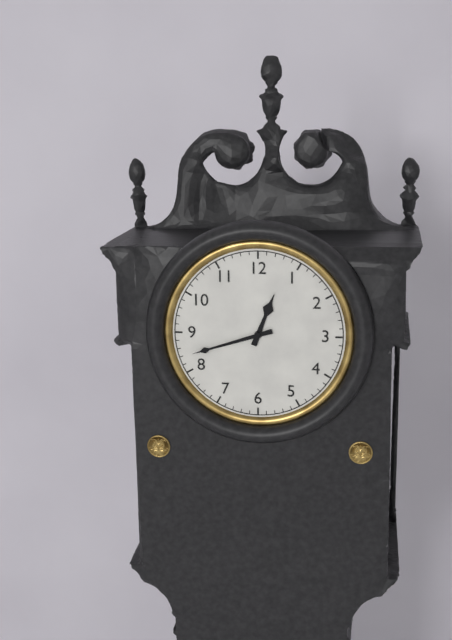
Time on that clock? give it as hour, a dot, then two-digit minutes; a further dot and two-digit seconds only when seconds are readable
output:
12.42
